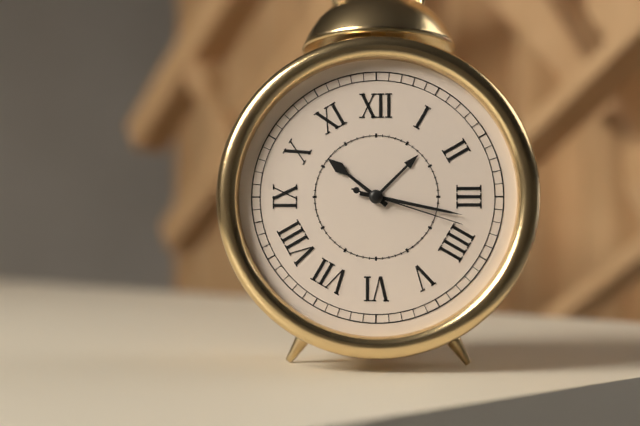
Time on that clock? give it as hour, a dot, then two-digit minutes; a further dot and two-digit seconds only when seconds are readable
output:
10.17.18
